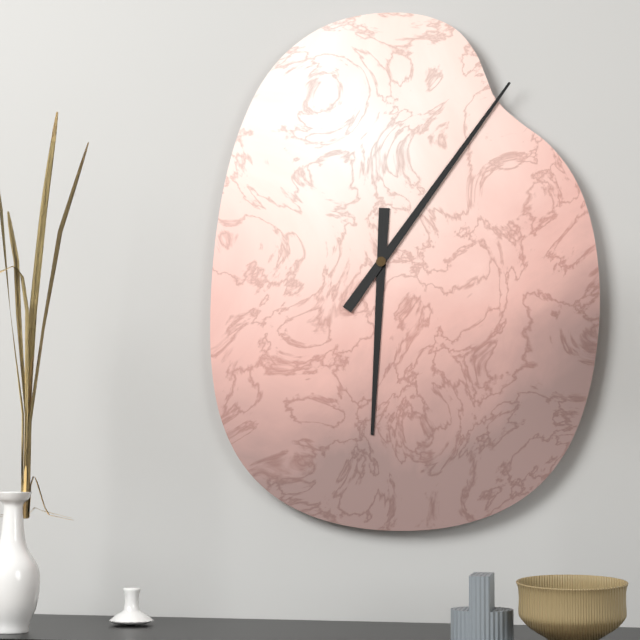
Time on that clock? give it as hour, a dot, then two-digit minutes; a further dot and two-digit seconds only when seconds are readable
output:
6.06
